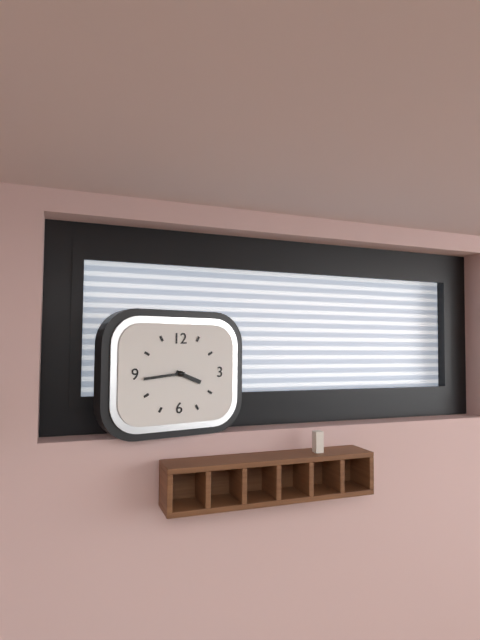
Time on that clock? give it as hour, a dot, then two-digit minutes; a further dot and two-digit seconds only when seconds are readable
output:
3.44
